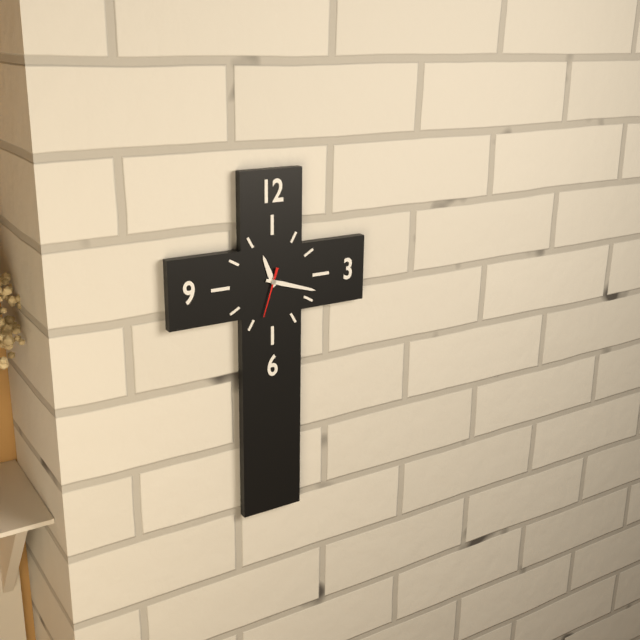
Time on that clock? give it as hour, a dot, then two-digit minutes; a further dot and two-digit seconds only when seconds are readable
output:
11.18
